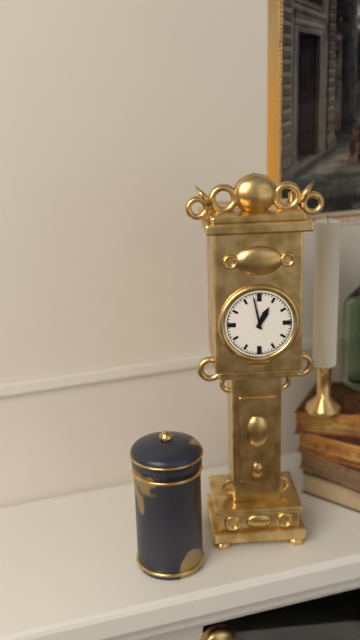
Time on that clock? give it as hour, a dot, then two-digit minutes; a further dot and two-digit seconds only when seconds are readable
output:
12.58
